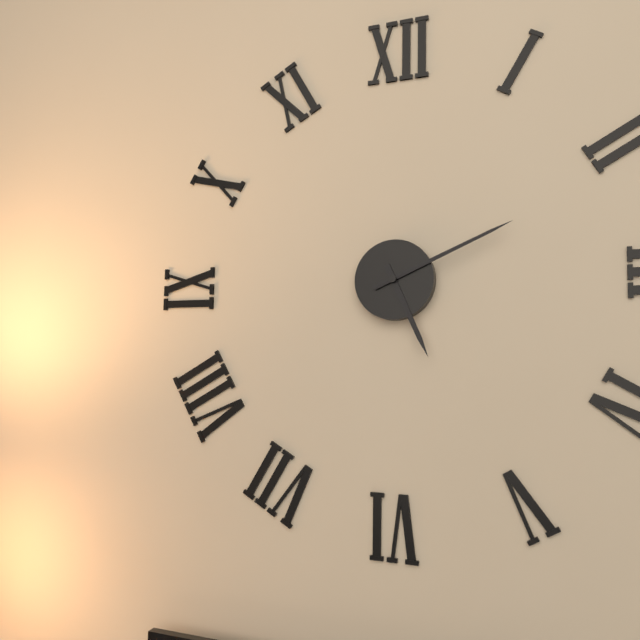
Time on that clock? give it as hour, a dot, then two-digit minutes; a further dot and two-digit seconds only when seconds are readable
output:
5.11
